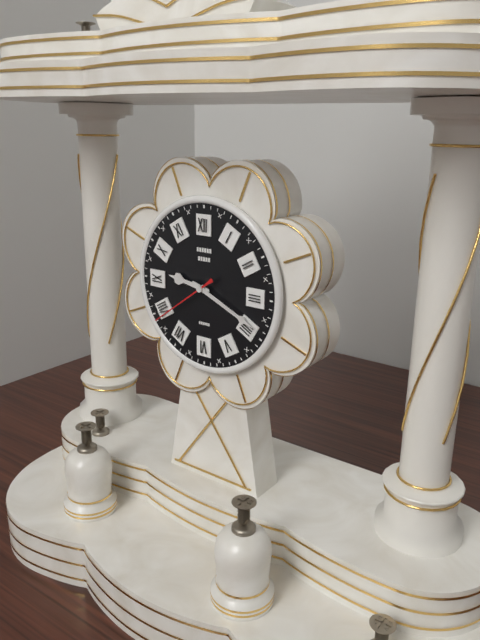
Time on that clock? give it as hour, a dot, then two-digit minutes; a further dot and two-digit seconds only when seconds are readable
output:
9.19.39
